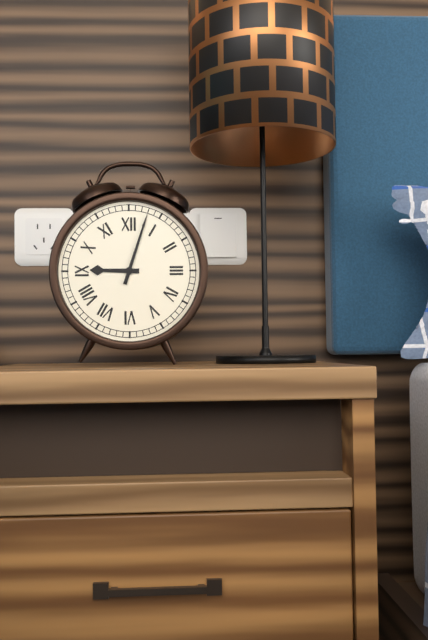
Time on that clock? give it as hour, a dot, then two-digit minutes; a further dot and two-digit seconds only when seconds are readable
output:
9.03
